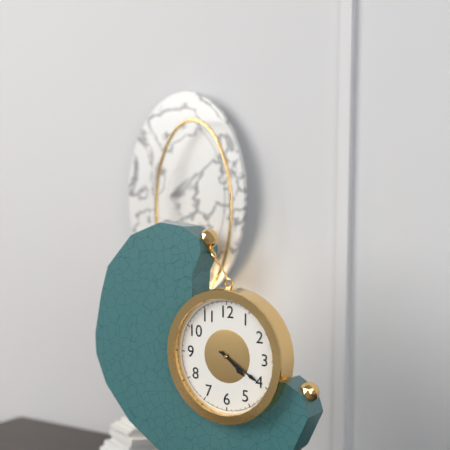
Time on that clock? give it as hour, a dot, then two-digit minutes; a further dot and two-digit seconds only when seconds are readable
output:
4.20
